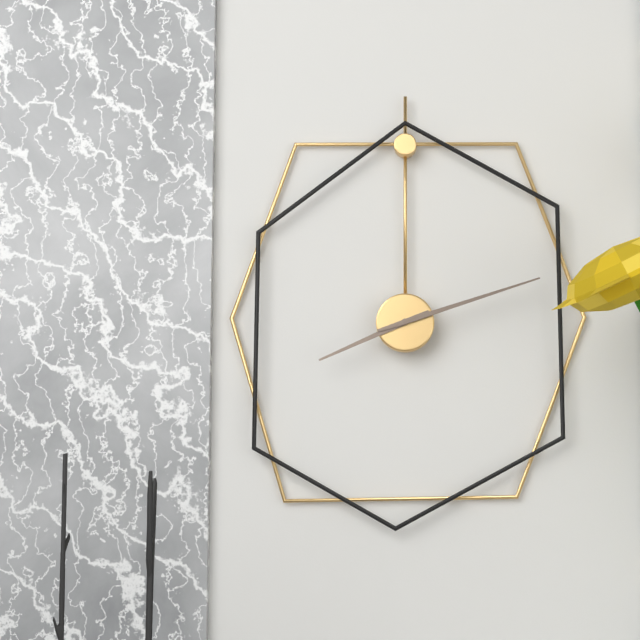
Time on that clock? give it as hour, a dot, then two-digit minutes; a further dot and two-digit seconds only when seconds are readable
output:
8.12
